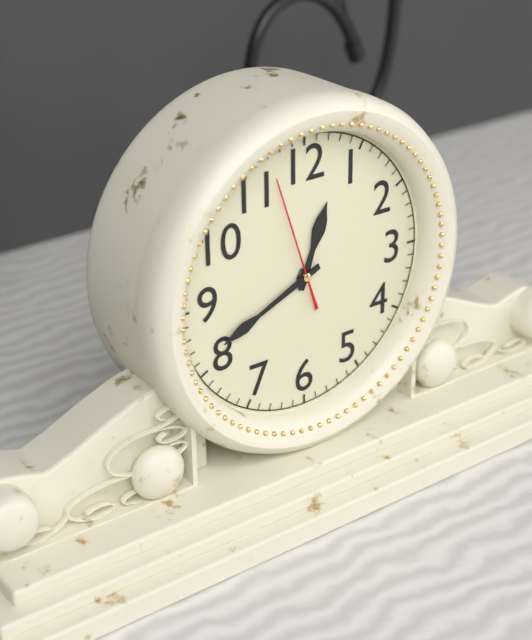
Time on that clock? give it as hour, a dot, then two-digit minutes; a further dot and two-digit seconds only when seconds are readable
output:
12.41.57
